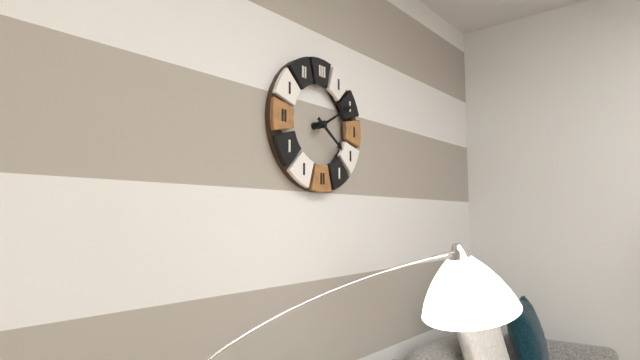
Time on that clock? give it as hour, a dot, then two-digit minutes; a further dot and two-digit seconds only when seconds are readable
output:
4.10
